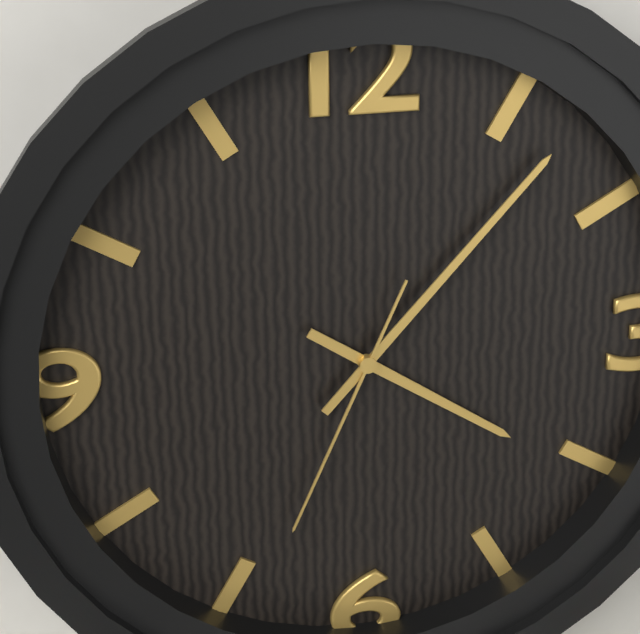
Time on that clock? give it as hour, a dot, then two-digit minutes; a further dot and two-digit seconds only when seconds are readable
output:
4.07.34
